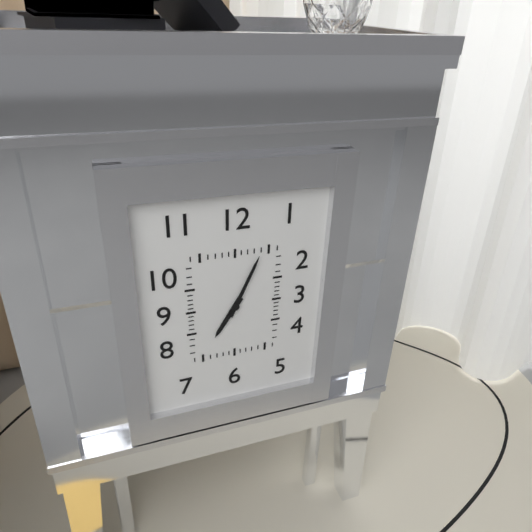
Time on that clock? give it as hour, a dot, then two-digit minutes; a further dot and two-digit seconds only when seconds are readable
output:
7.04
